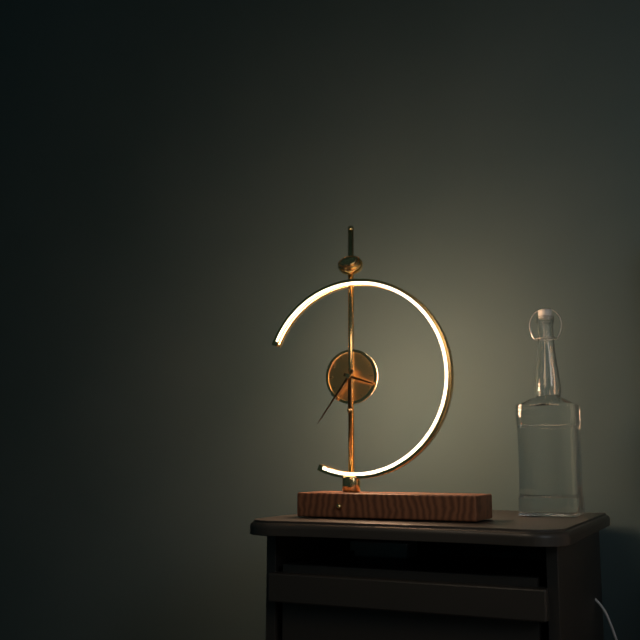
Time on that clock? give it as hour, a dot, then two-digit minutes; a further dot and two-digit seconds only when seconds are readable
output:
3.36
